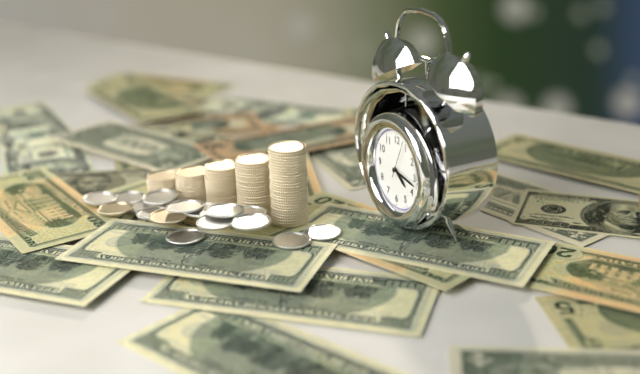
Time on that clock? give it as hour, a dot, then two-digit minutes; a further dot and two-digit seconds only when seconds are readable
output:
4.17
